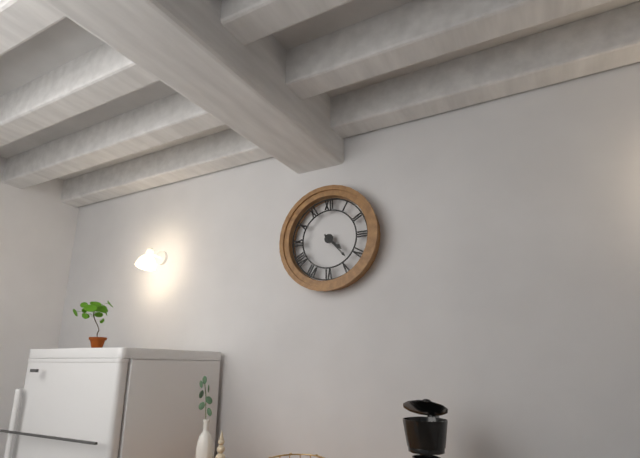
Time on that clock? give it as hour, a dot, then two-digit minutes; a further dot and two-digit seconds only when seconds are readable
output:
4.23
